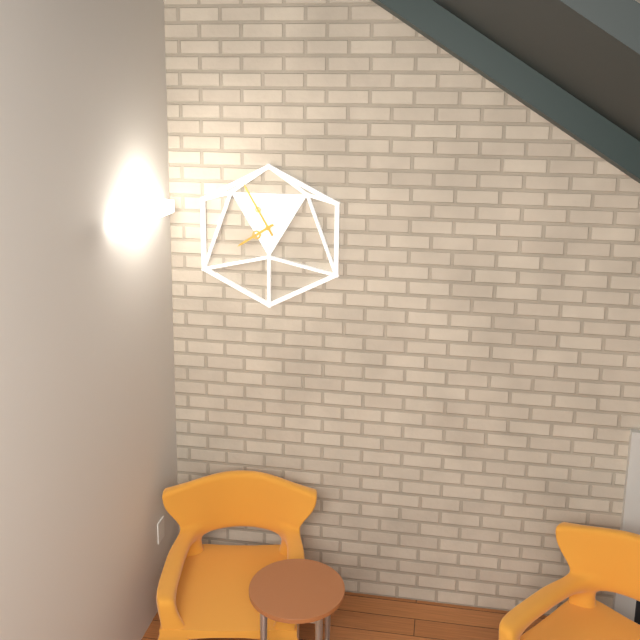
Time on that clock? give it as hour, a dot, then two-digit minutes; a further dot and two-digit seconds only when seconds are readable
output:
7.55
